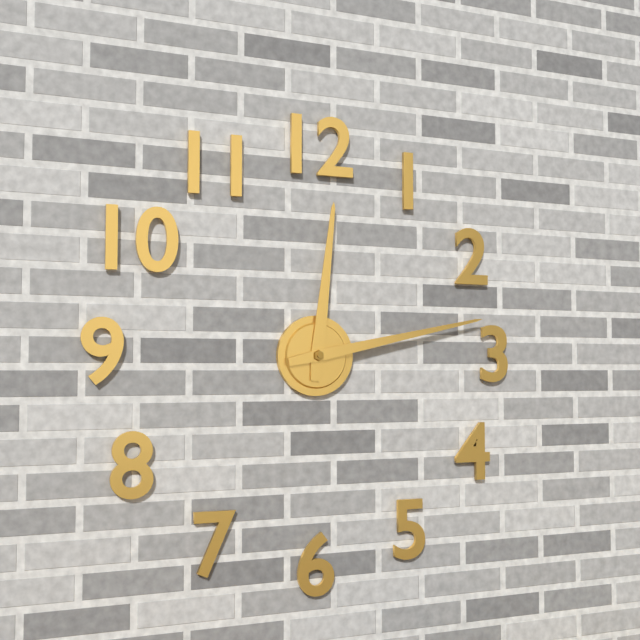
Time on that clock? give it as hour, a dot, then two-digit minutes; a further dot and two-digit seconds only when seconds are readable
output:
12.13
